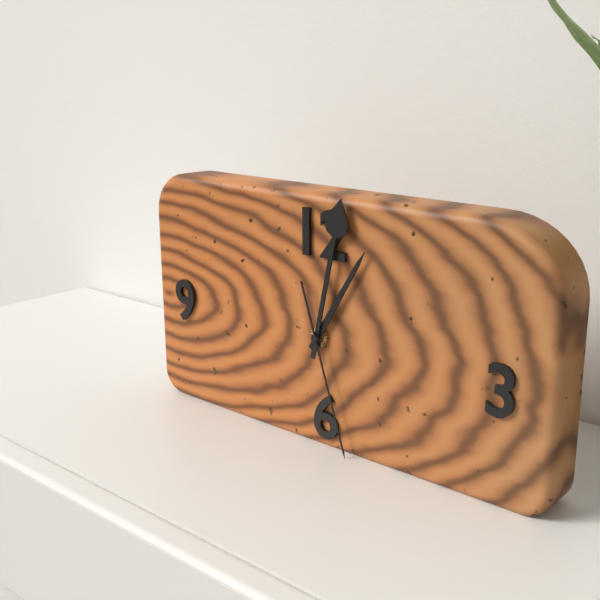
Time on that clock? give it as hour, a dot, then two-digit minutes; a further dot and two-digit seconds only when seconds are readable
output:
1.02.27
